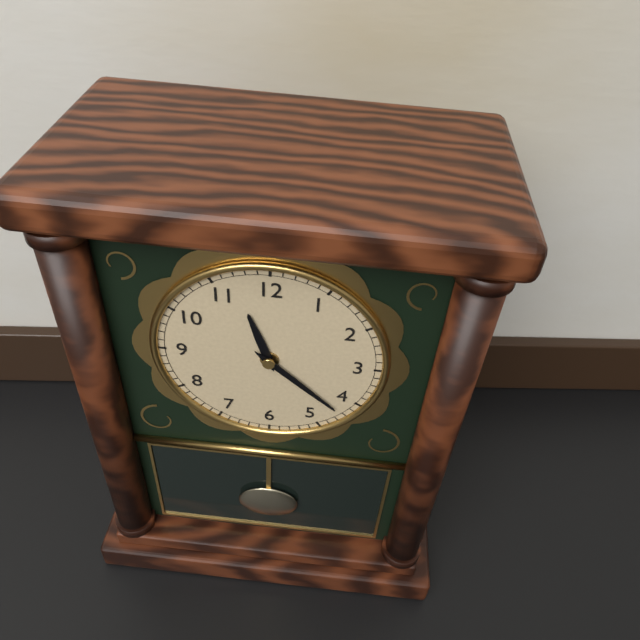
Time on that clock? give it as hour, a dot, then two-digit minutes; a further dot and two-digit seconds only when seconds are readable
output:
11.22
